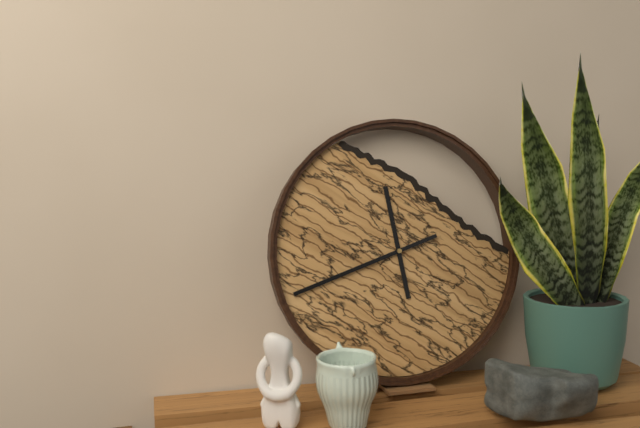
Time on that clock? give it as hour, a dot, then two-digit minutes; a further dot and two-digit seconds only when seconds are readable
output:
11.42
